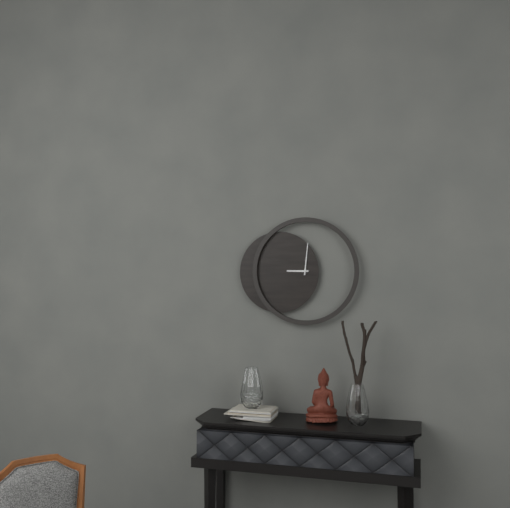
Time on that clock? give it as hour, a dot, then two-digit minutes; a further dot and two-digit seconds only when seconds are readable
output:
9.01
